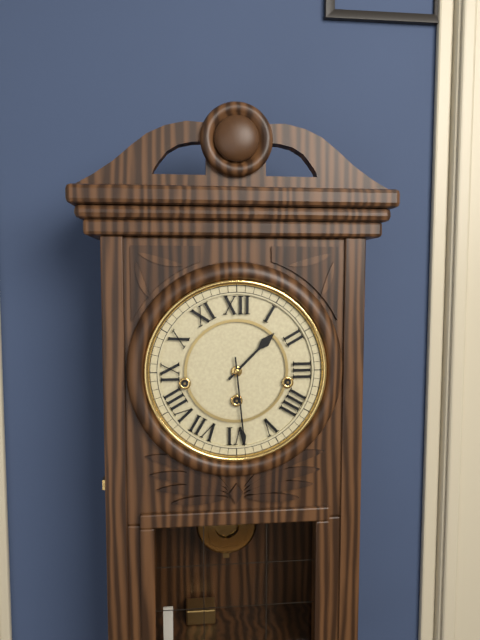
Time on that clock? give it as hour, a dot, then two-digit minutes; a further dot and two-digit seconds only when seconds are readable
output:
1.29
